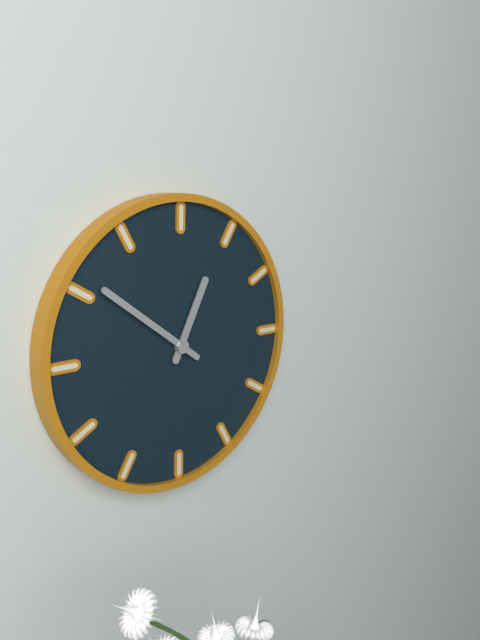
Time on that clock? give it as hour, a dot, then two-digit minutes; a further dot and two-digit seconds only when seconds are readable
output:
12.51
